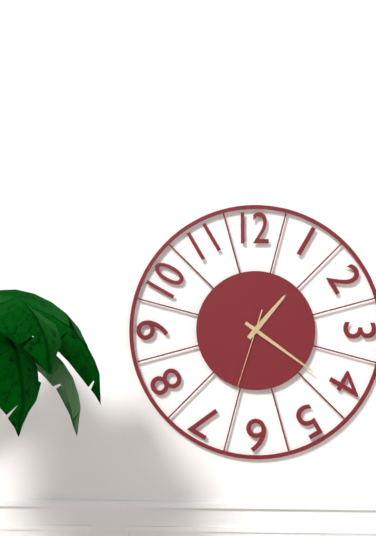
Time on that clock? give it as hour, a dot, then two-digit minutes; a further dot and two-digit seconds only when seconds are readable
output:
1.21.33
